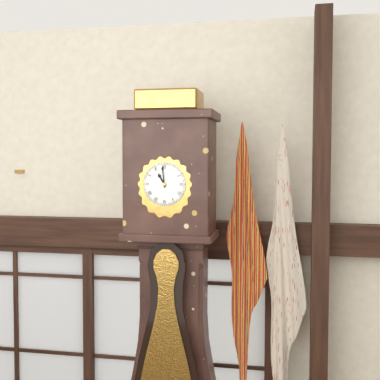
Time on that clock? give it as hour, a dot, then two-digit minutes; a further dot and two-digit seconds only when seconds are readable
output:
10.59
